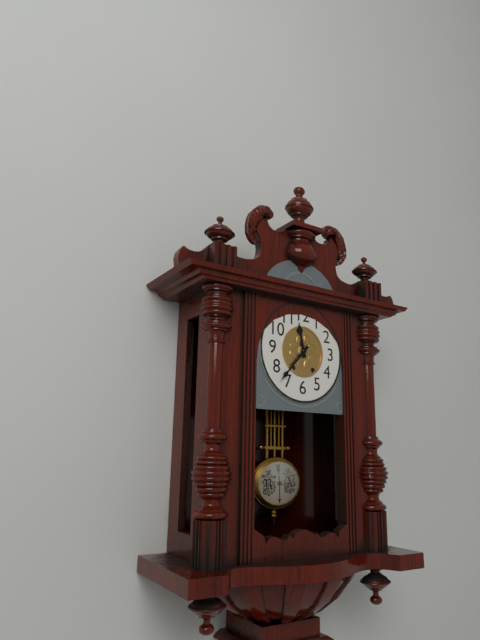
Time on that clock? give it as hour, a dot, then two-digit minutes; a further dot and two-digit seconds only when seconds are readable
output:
11.37
